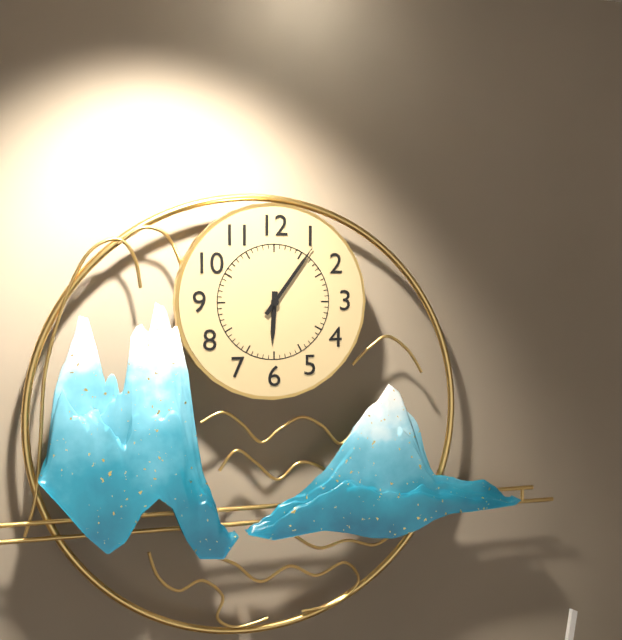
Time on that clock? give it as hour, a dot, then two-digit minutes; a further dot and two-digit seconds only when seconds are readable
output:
6.06
